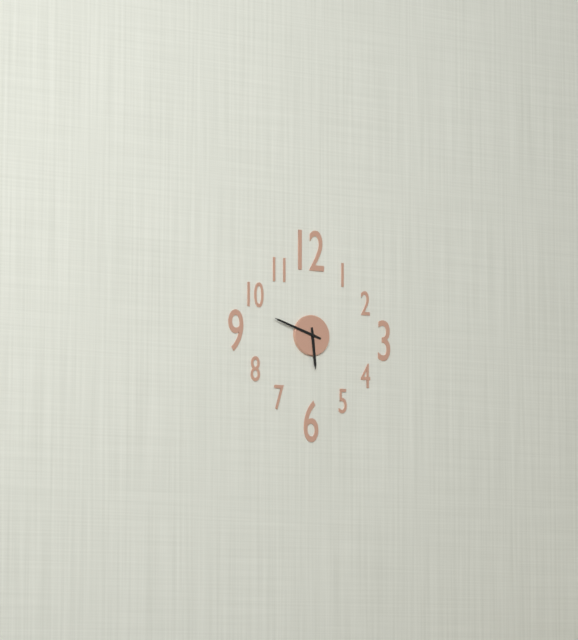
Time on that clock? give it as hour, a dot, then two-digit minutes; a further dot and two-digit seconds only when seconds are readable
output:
5.48
